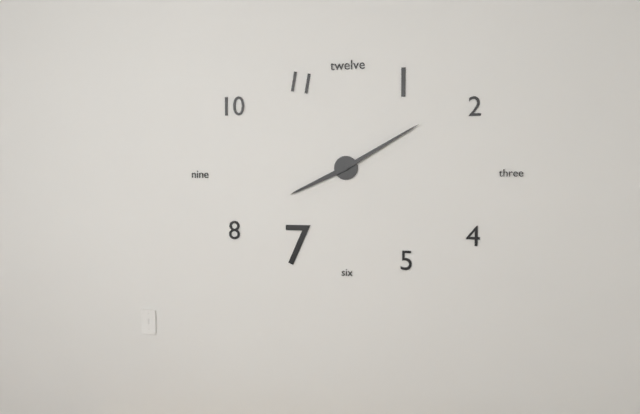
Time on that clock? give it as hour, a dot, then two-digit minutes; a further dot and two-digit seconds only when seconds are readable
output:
8.10
